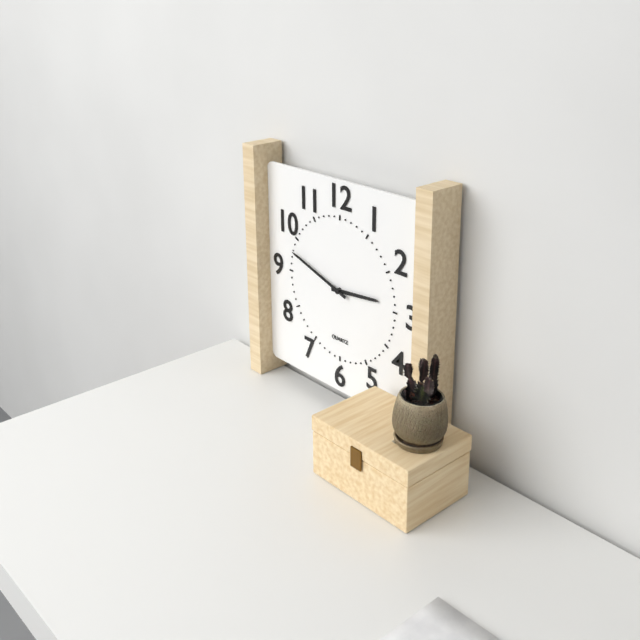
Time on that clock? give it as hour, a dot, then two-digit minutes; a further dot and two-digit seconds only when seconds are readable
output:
2.48
